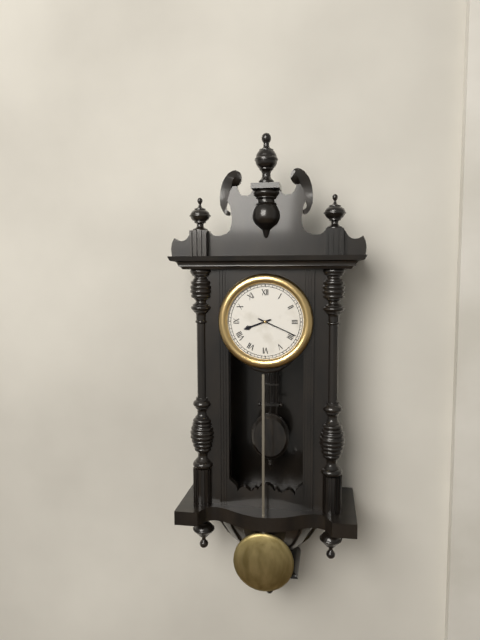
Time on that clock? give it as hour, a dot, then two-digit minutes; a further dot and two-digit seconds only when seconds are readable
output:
8.19
